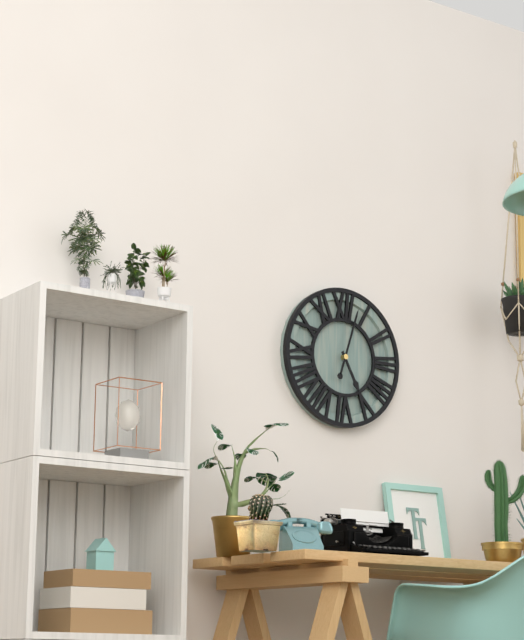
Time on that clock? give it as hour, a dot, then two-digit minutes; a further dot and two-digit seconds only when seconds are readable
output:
5.03
